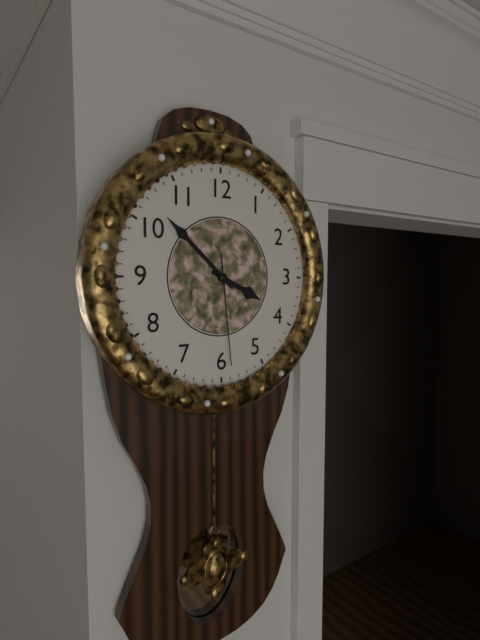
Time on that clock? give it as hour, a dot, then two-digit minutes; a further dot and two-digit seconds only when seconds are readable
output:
3.52.29
